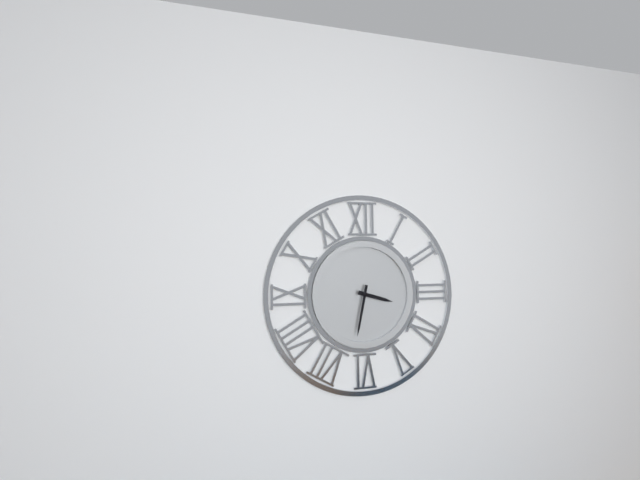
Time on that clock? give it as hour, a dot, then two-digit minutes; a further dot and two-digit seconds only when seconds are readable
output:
3.32
